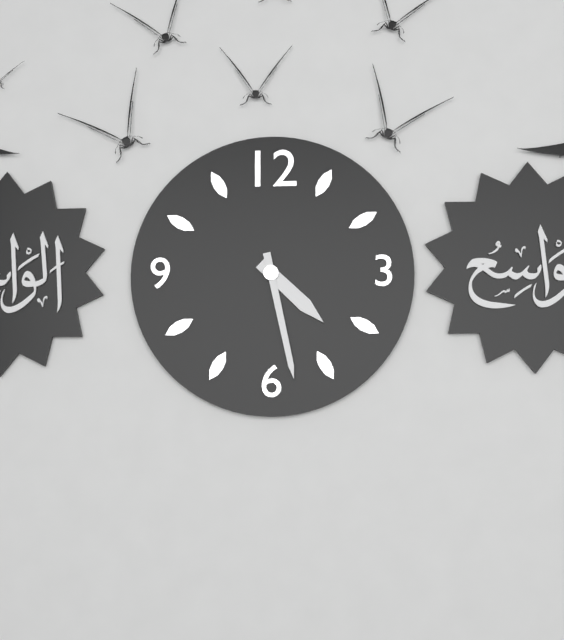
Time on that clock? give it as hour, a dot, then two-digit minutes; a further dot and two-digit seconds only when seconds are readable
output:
4.28
